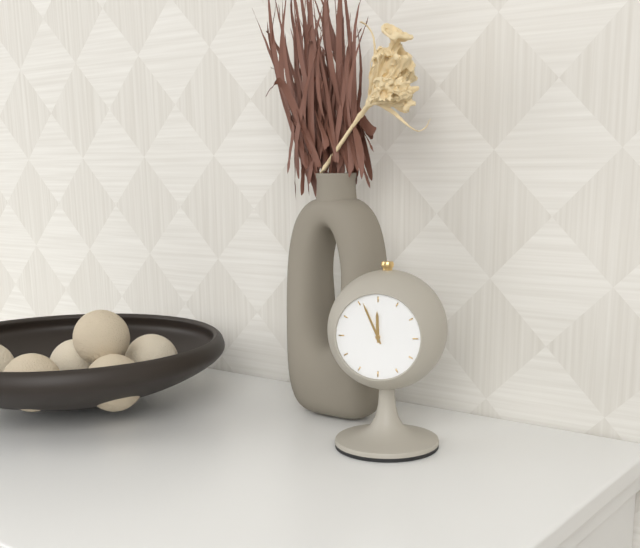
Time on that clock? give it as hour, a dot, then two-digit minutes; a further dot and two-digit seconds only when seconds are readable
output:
11.56
